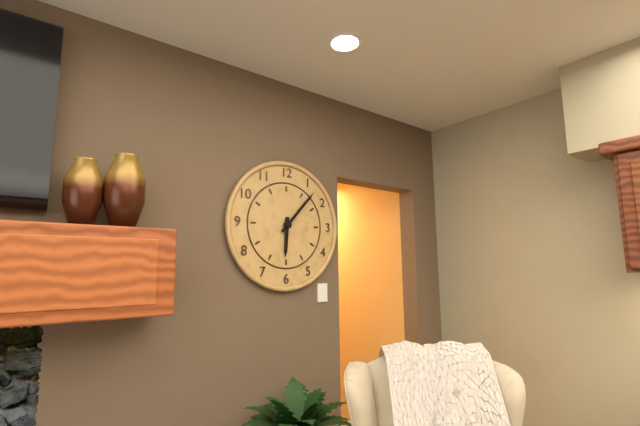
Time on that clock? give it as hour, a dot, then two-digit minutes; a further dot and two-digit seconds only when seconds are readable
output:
6.07
